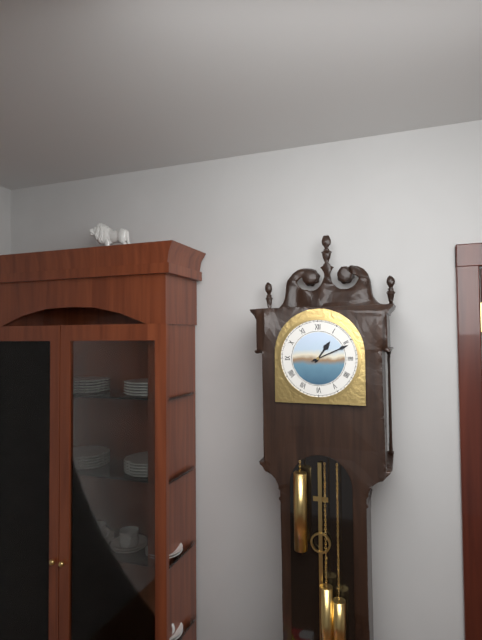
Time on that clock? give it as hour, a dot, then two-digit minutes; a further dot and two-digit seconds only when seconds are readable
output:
1.11
